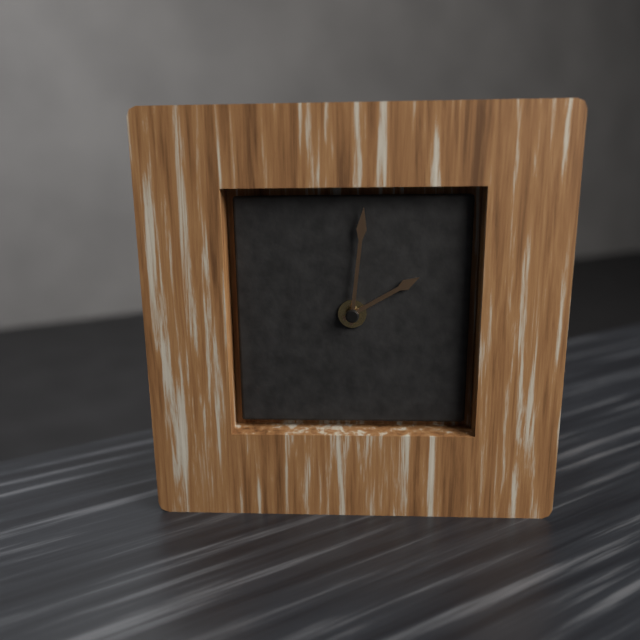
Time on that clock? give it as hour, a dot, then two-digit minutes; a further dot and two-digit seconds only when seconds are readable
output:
2.01
